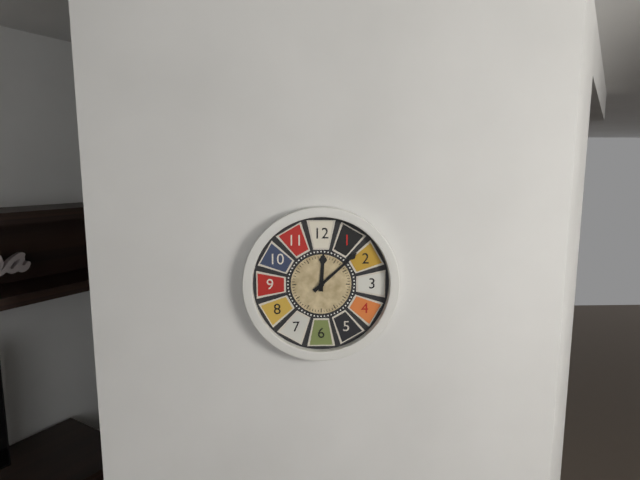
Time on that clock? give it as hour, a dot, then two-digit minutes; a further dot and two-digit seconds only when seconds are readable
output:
12.08
